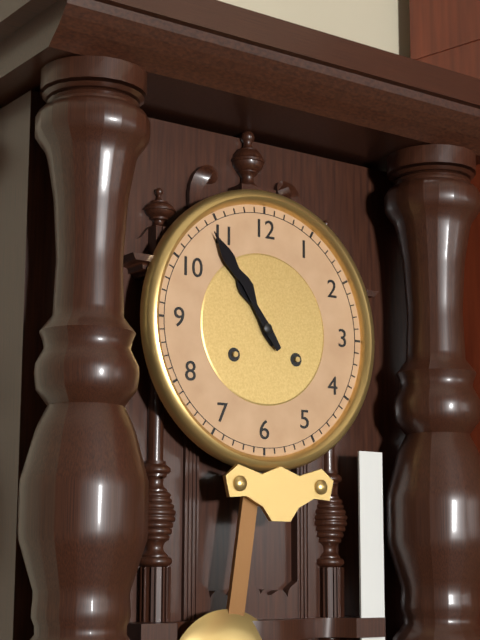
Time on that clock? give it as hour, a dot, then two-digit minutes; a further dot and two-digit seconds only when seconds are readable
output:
10.54
